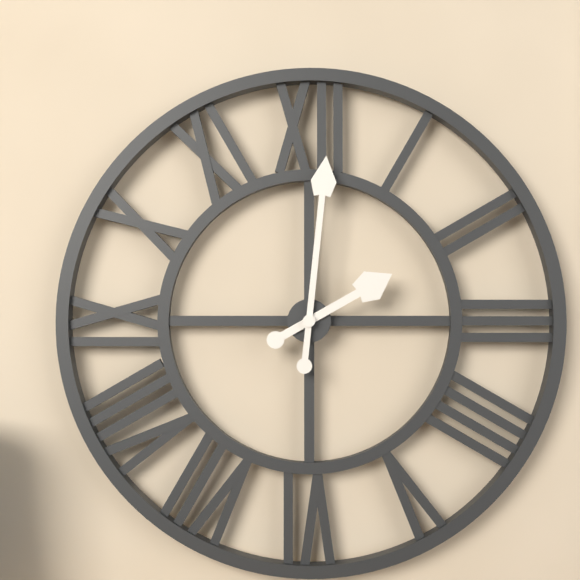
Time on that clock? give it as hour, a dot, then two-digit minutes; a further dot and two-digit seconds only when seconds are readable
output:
2.01
